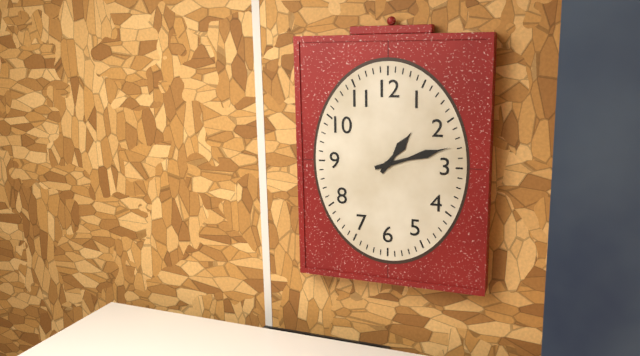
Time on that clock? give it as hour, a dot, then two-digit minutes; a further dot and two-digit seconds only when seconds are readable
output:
1.12
